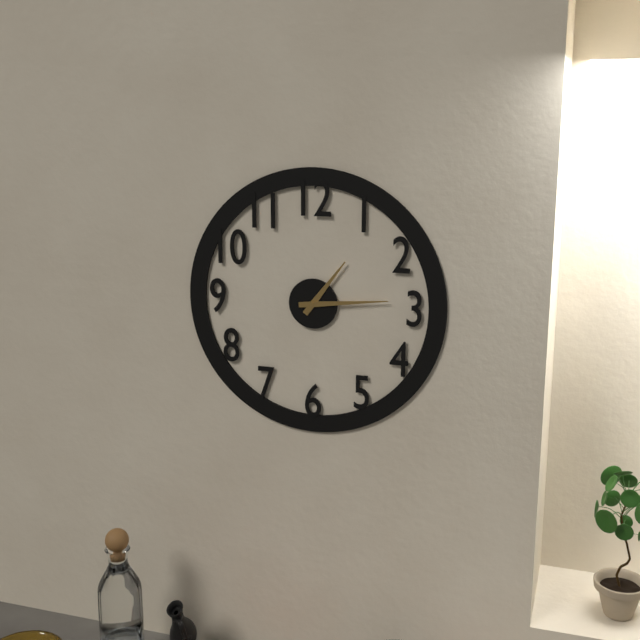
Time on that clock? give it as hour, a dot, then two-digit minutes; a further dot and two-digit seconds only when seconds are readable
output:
1.14
